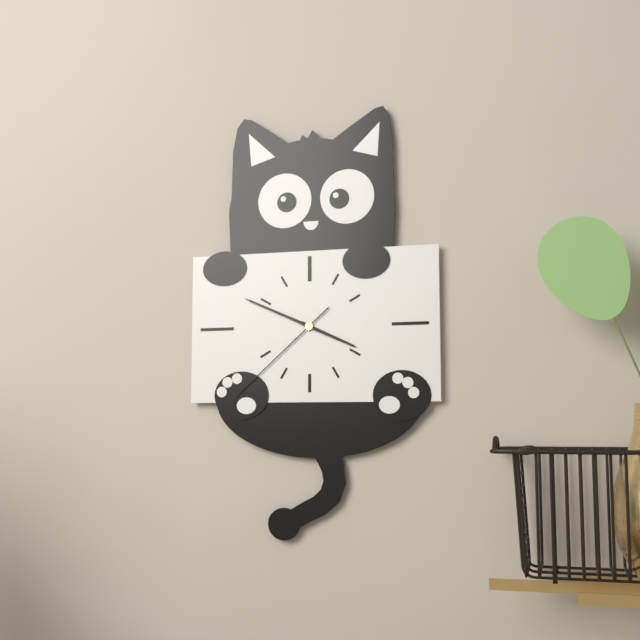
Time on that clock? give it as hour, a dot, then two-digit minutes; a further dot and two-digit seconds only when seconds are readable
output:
3.49.38
